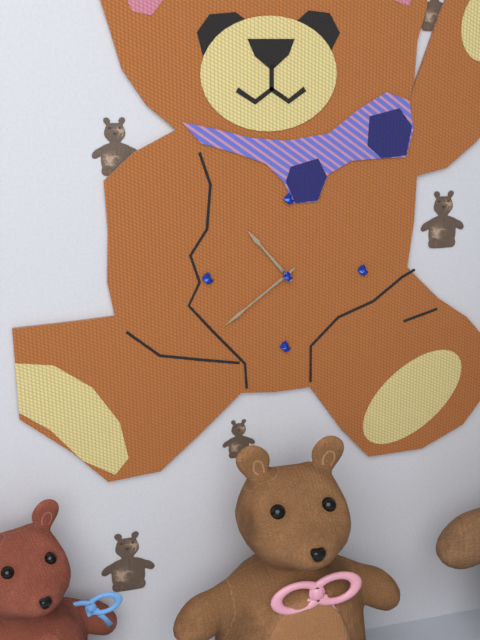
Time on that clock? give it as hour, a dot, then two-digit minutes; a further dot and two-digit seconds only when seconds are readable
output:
10.39
